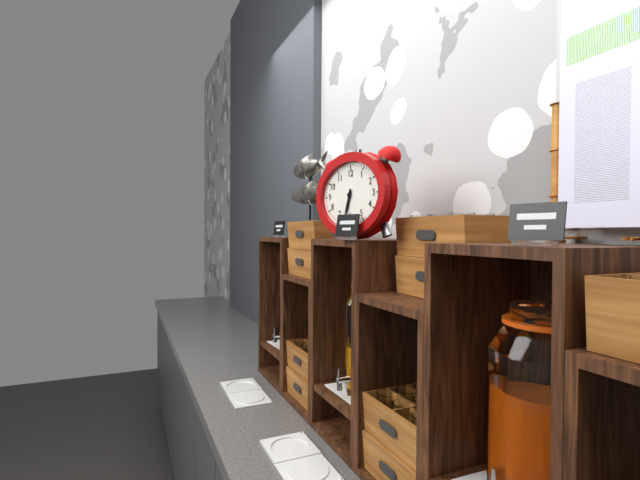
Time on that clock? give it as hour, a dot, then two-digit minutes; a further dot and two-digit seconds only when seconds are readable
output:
6.33
